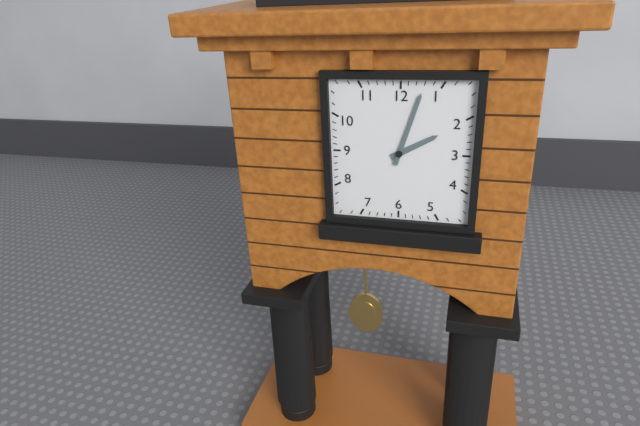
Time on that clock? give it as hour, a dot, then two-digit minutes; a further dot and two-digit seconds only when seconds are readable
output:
2.03
